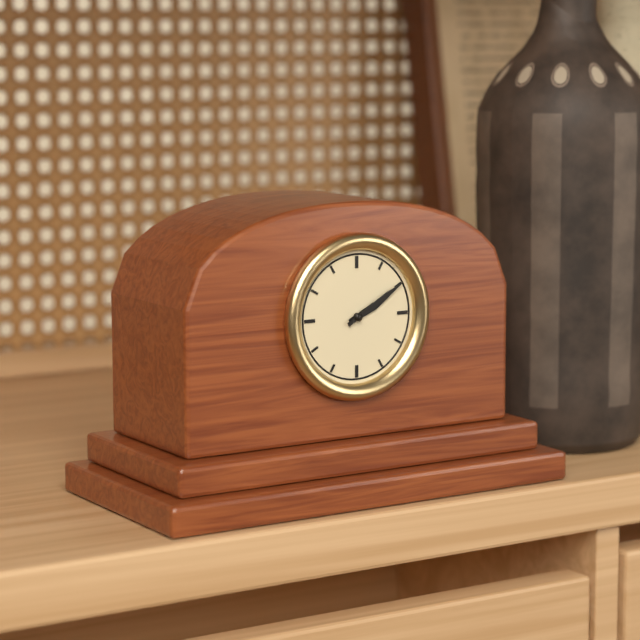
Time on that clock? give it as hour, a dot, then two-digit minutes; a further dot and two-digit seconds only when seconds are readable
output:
2.10
